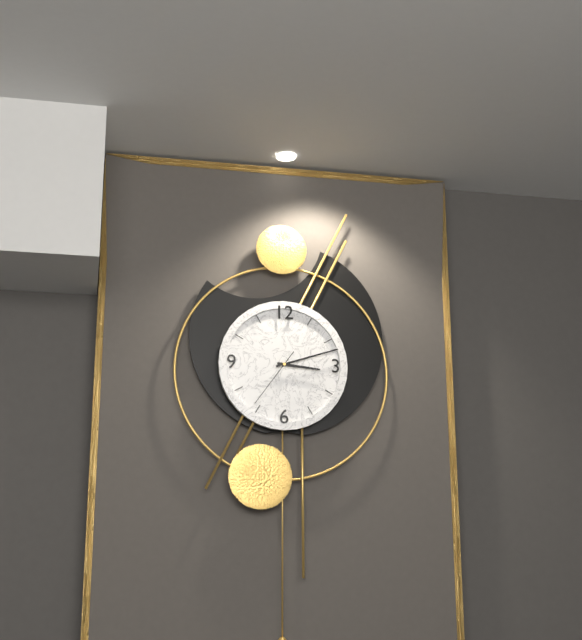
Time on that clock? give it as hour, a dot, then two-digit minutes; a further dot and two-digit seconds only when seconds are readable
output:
3.12.36
